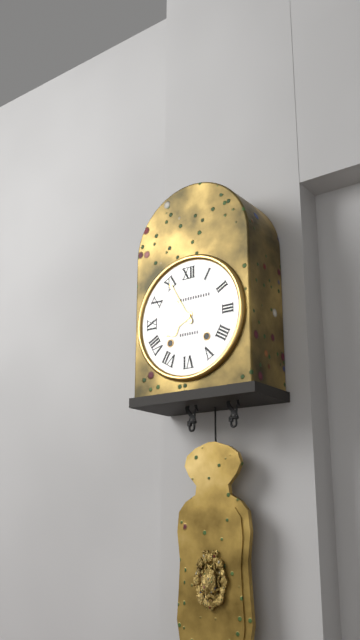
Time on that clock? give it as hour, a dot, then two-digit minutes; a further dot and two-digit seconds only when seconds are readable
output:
7.55
